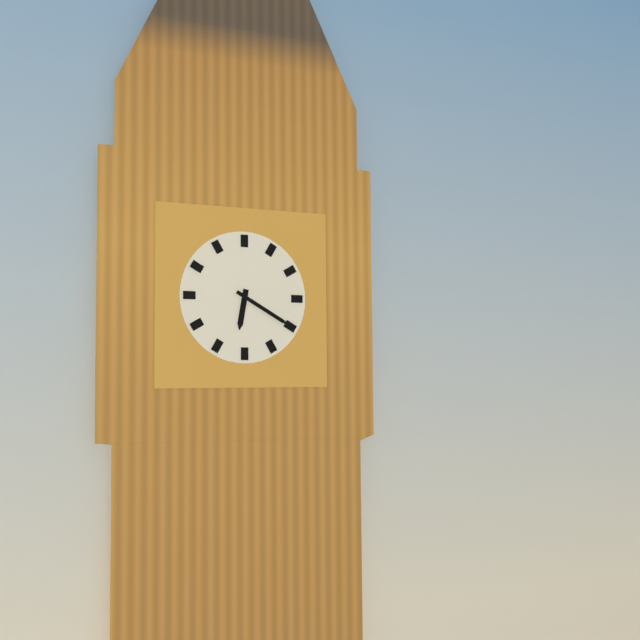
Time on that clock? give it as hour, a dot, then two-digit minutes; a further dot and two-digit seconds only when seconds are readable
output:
6.20
